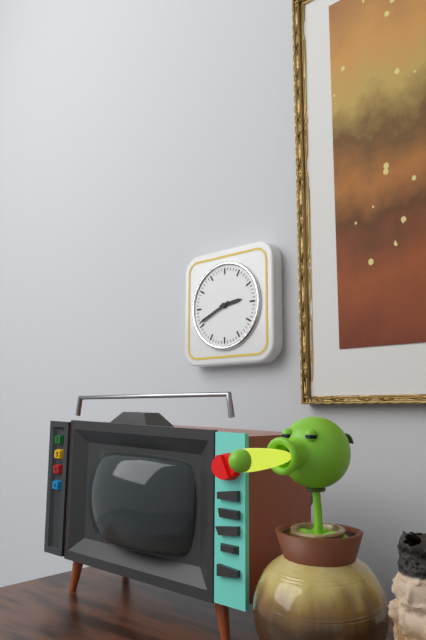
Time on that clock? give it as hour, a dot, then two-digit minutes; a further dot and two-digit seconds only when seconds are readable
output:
2.41
